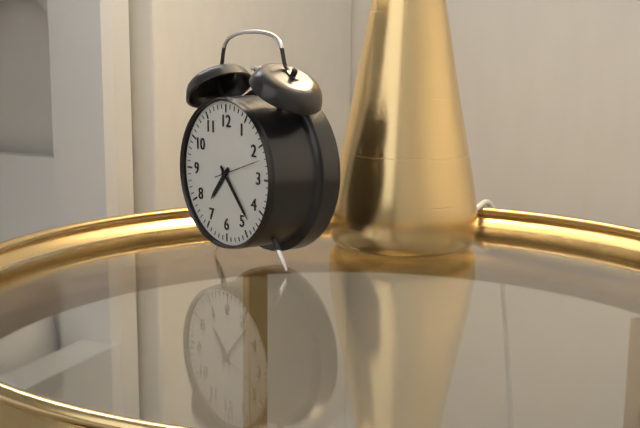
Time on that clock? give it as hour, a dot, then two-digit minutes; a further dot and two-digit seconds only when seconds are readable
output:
7.23
